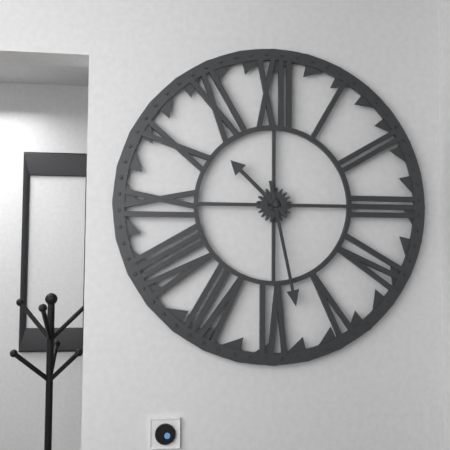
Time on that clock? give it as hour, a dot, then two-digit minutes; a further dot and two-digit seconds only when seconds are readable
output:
10.28
